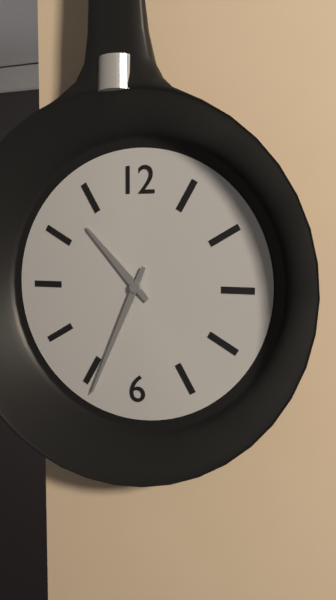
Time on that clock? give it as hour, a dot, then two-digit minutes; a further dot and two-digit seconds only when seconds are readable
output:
10.34
